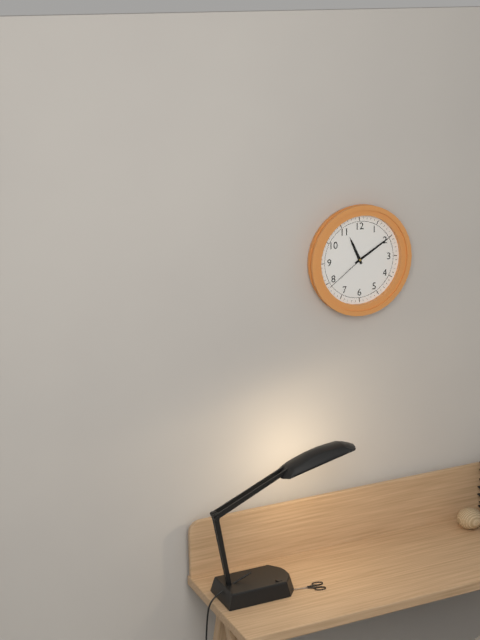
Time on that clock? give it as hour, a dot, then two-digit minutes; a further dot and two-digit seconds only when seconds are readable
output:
11.10.39
